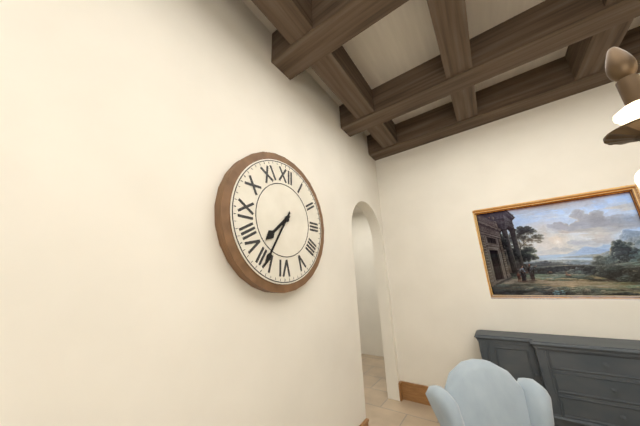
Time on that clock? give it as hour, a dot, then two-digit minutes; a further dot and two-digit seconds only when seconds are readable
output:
7.35
